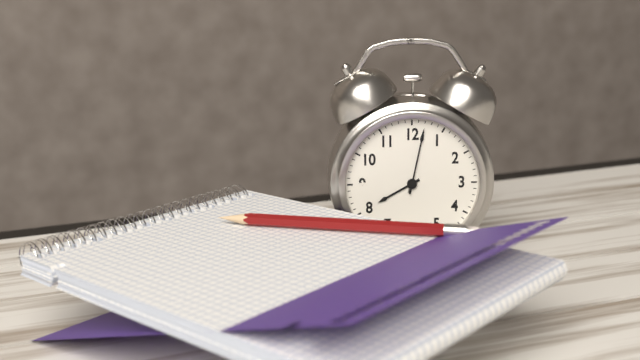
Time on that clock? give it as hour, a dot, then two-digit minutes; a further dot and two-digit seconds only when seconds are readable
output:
8.02
